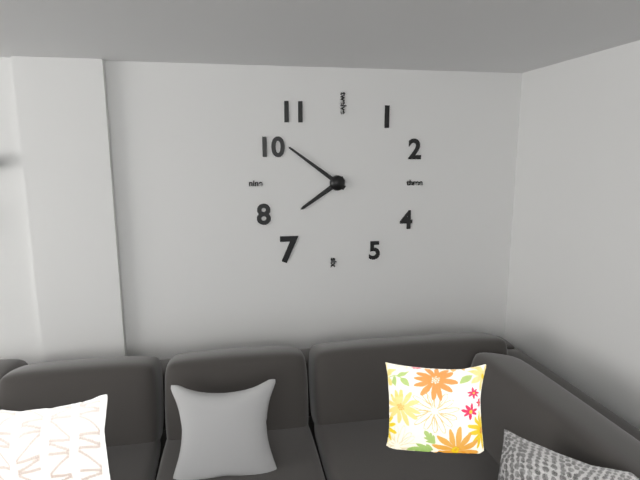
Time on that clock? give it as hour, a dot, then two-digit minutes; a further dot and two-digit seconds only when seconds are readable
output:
7.51
